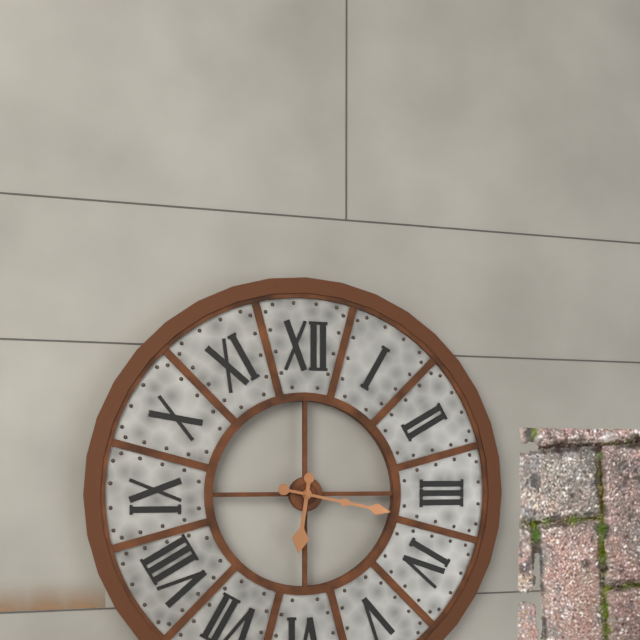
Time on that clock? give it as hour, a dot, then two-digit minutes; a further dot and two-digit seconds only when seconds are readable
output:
6.17
